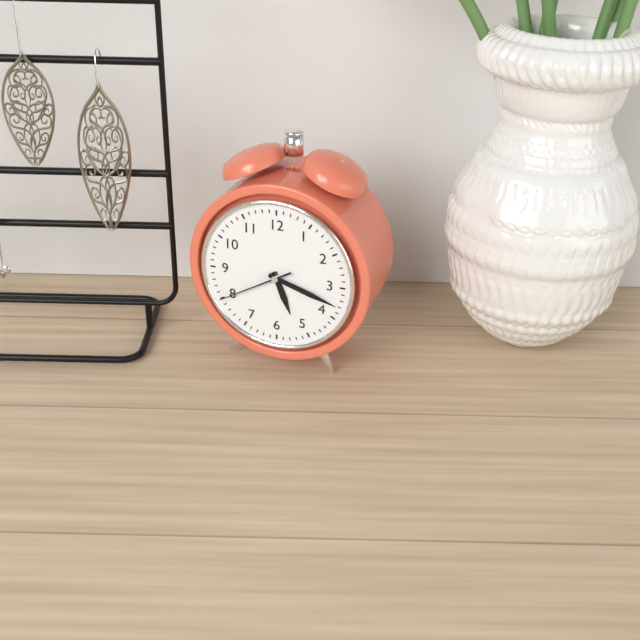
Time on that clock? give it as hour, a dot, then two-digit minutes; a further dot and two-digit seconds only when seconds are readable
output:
5.18.40
